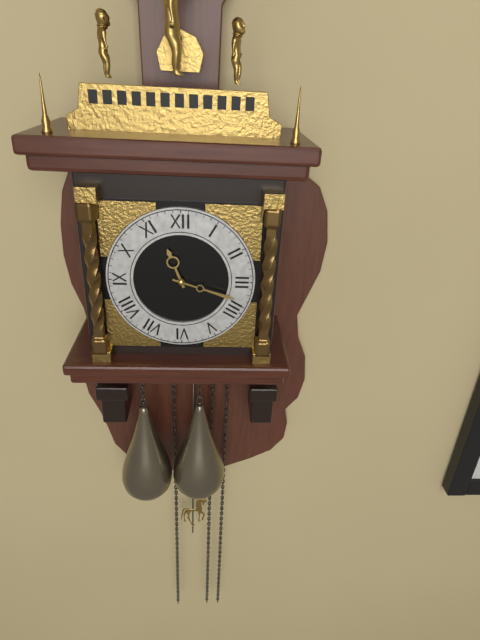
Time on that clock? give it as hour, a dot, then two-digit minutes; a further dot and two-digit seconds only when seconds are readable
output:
11.18
